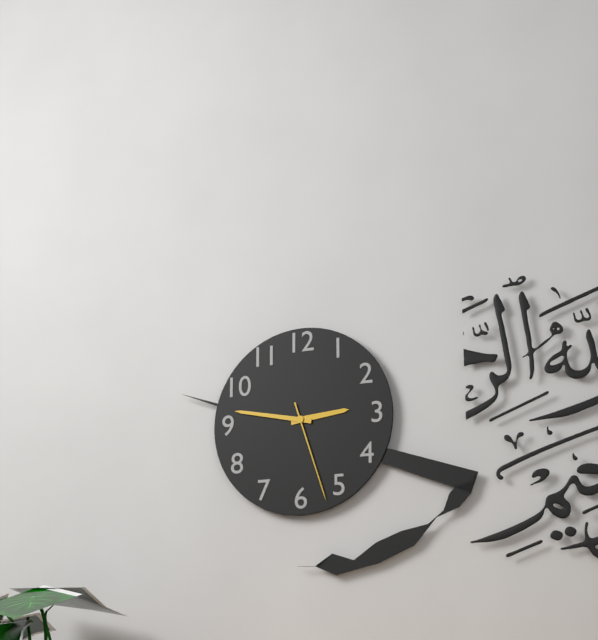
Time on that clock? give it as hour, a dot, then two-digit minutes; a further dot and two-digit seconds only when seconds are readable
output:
2.47.27
